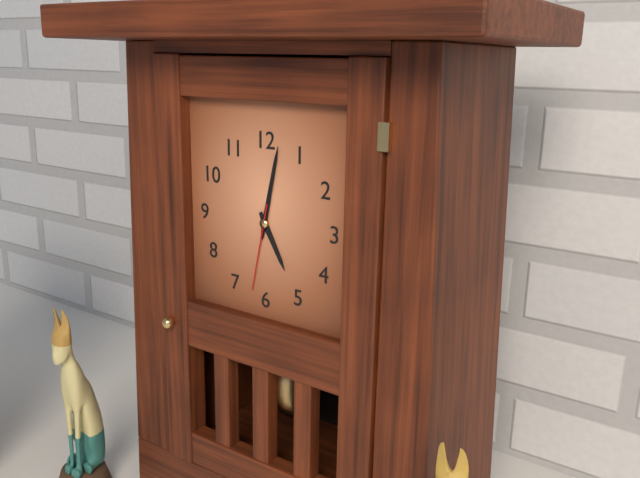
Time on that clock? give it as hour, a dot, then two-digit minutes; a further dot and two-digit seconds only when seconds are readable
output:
5.02.32
